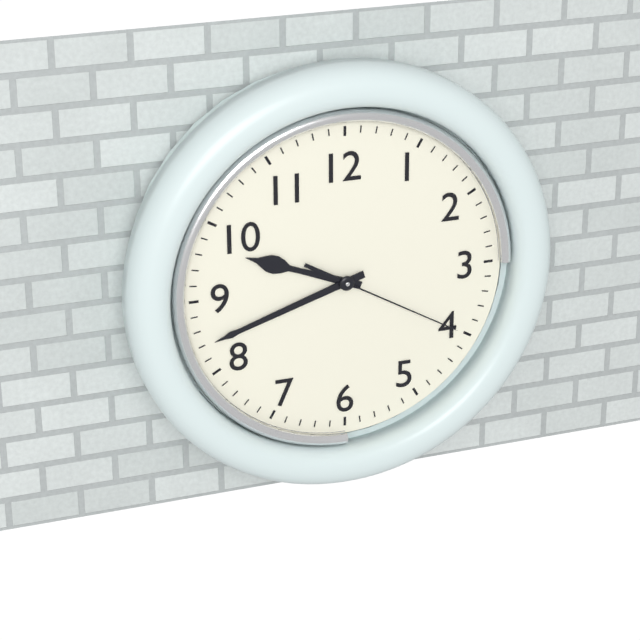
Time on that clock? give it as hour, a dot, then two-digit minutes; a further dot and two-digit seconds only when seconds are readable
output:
9.42.20
